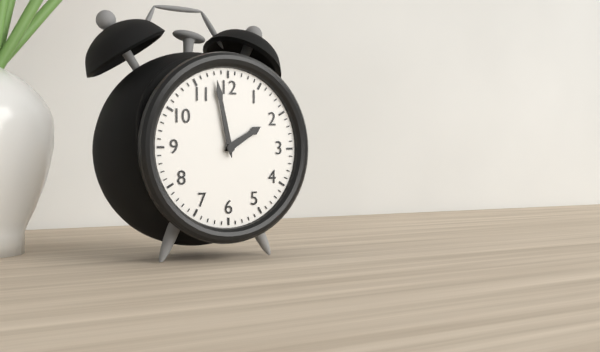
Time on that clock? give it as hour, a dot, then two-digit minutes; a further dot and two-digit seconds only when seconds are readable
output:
1.58
